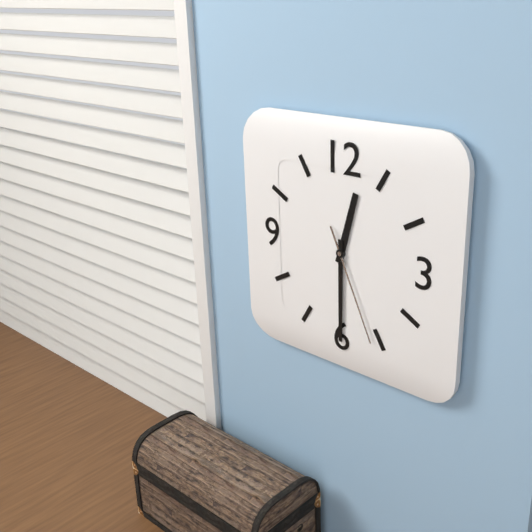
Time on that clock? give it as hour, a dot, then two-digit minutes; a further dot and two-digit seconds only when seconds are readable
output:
12.30.26
